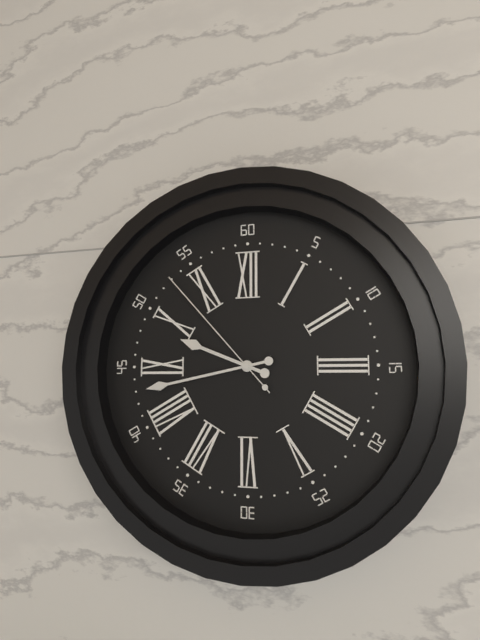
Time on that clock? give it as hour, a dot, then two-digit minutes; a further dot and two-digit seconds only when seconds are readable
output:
9.43.53
